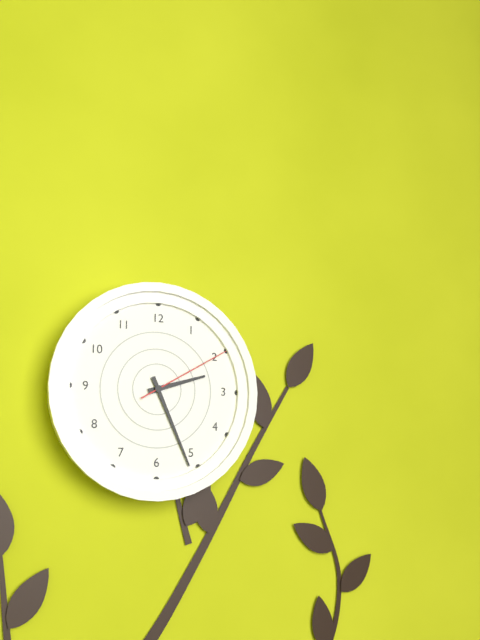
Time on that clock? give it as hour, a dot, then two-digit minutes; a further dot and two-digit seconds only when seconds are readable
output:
2.26.10
